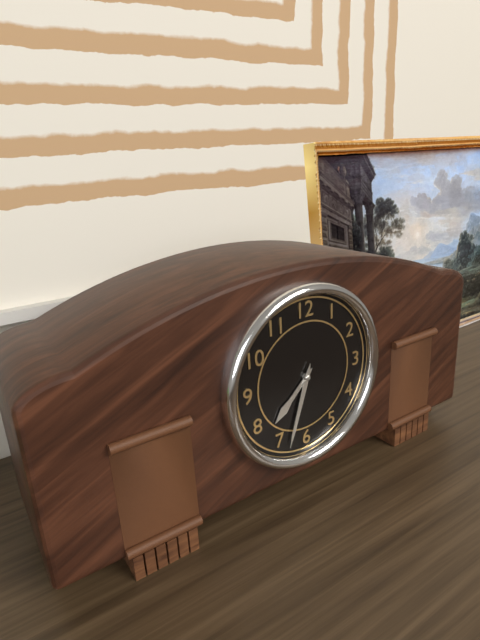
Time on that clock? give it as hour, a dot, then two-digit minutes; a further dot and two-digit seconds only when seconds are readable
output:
7.33
